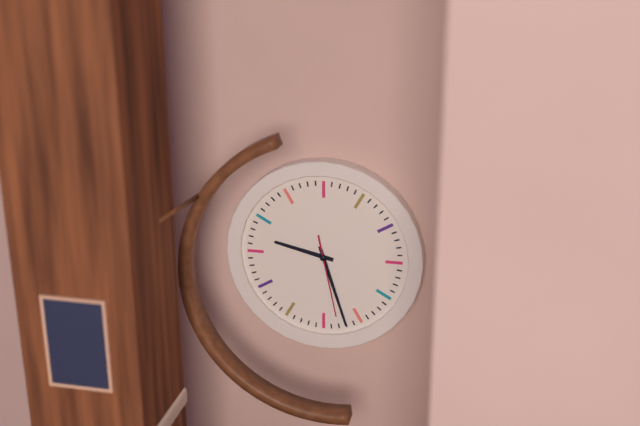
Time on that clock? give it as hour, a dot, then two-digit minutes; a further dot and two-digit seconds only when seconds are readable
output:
9.27.28
